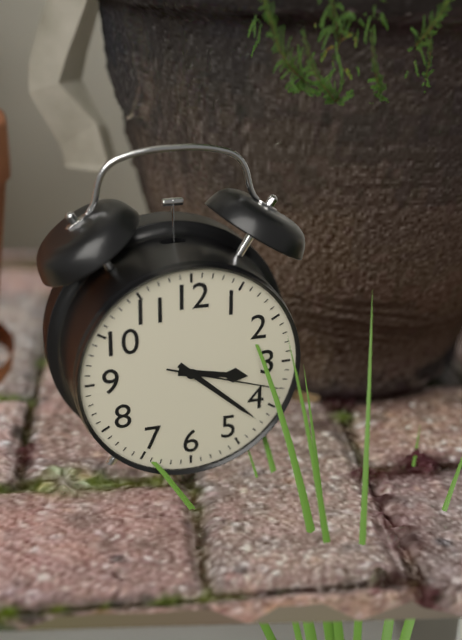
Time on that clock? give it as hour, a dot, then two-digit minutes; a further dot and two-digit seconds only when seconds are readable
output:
3.22.18
